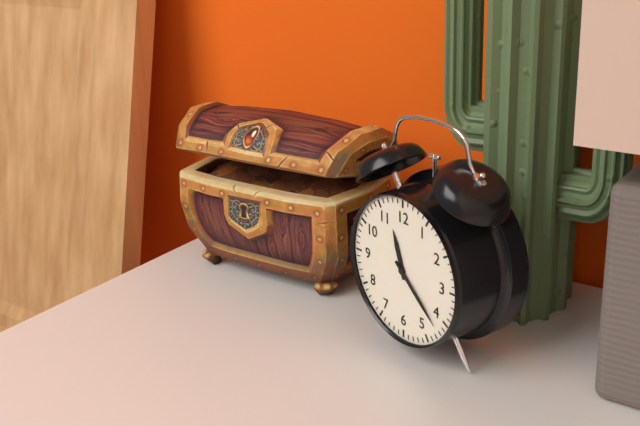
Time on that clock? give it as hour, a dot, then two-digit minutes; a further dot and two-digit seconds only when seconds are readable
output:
11.22
